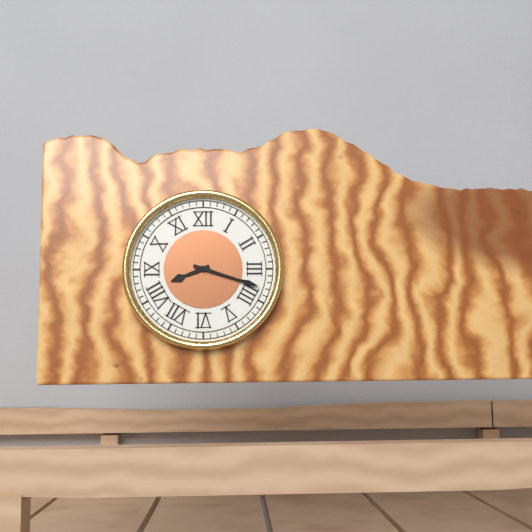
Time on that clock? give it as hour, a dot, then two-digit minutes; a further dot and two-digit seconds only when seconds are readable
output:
8.18
